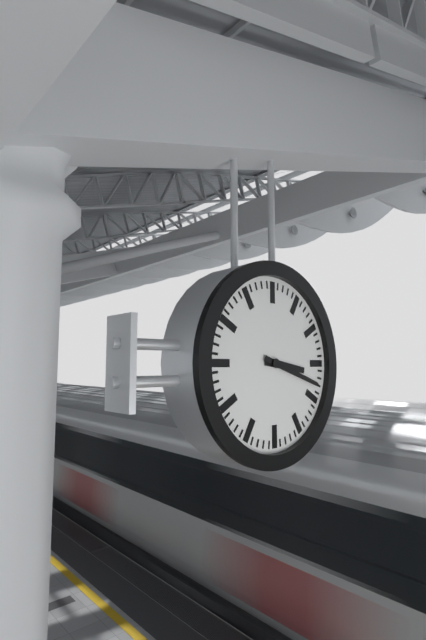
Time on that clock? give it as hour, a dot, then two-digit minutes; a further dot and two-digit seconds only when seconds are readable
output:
3.18
